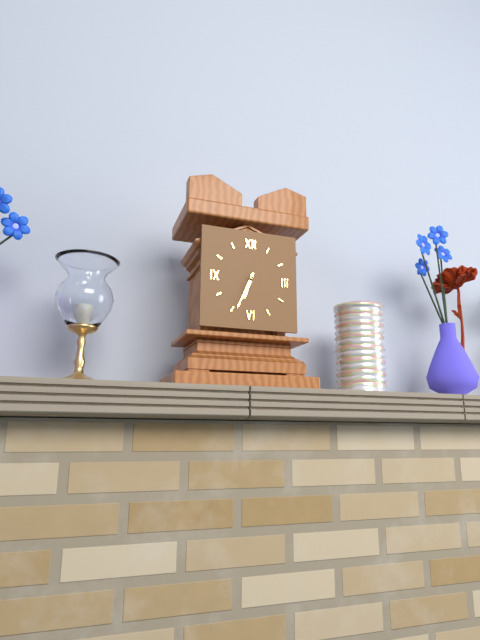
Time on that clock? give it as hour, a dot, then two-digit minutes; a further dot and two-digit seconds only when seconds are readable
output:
6.34
